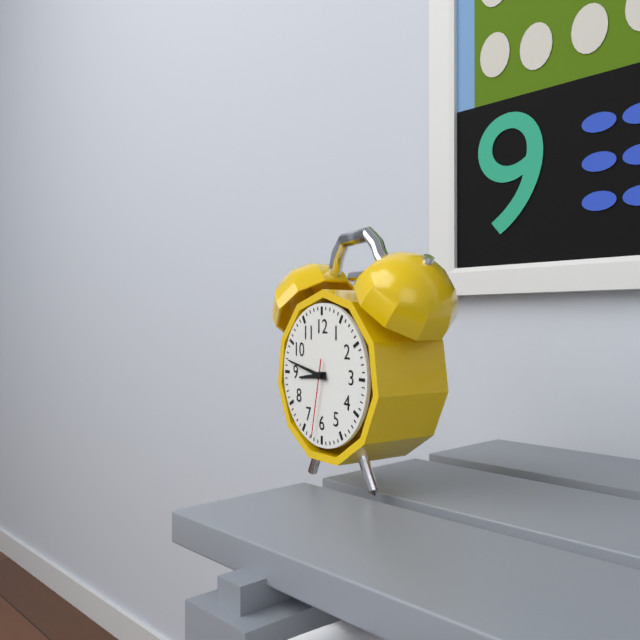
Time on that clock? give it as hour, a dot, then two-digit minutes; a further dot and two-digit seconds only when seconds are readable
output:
8.47.32
